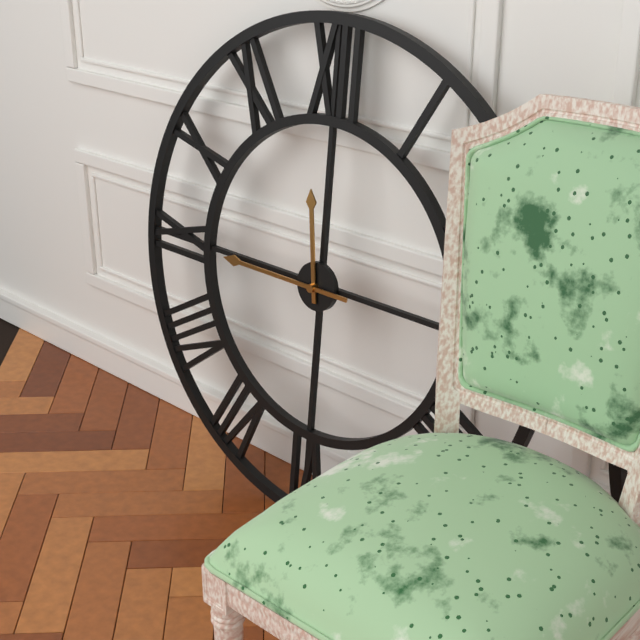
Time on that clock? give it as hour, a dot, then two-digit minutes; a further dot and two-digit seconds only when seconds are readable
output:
11.45
